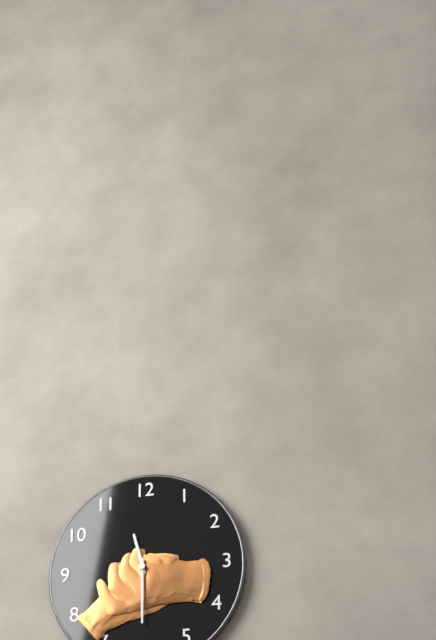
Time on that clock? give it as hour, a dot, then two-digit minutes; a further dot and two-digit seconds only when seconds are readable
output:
11.30
